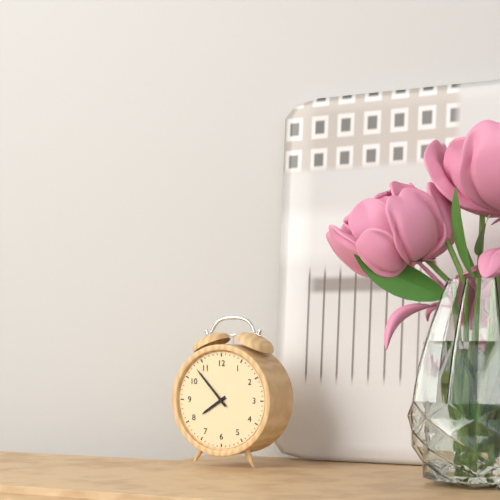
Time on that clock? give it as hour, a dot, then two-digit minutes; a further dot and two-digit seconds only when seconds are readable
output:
7.53
